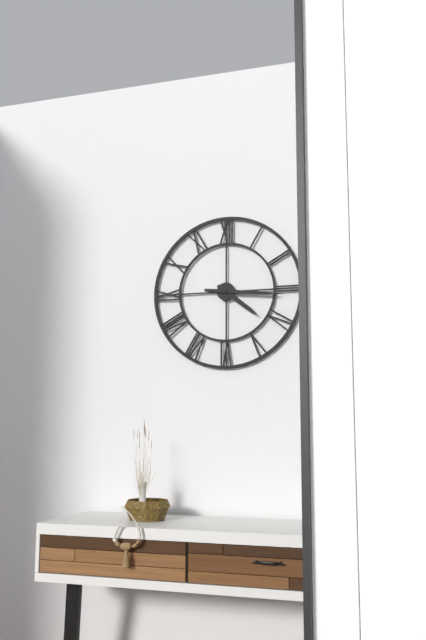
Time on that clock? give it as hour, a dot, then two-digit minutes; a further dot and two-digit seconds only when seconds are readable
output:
4.16
